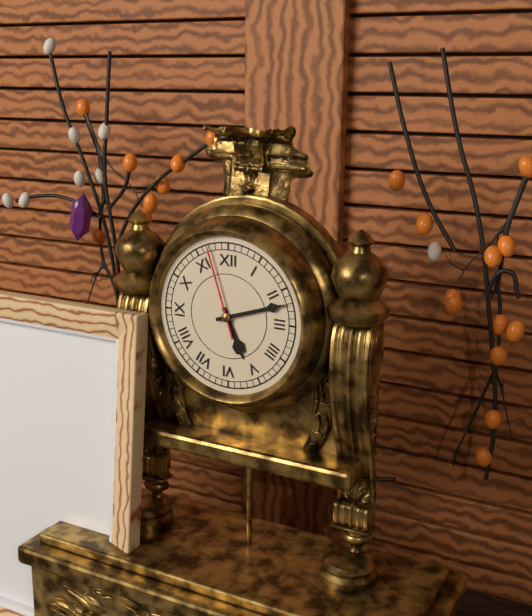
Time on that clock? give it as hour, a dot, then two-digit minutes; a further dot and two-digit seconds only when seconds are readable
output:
5.12.57
